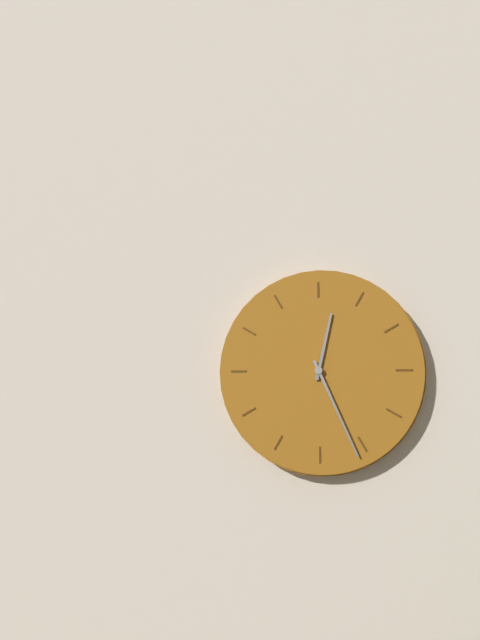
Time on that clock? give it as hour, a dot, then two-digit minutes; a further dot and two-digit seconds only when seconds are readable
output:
12.26
